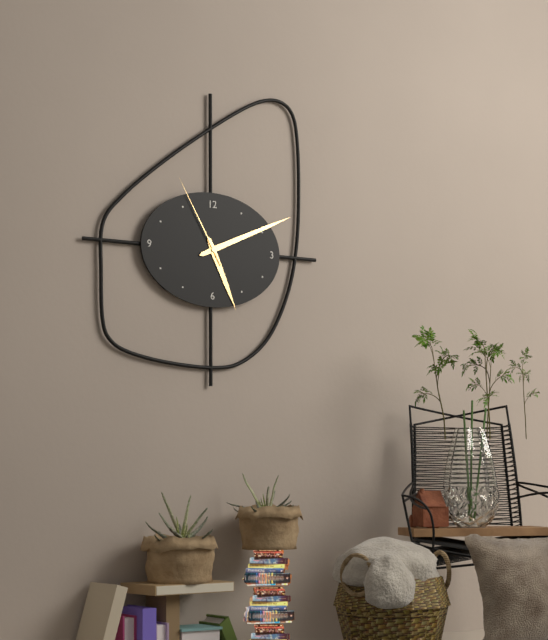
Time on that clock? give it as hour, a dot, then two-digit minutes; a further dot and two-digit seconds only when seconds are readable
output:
5.11.55
